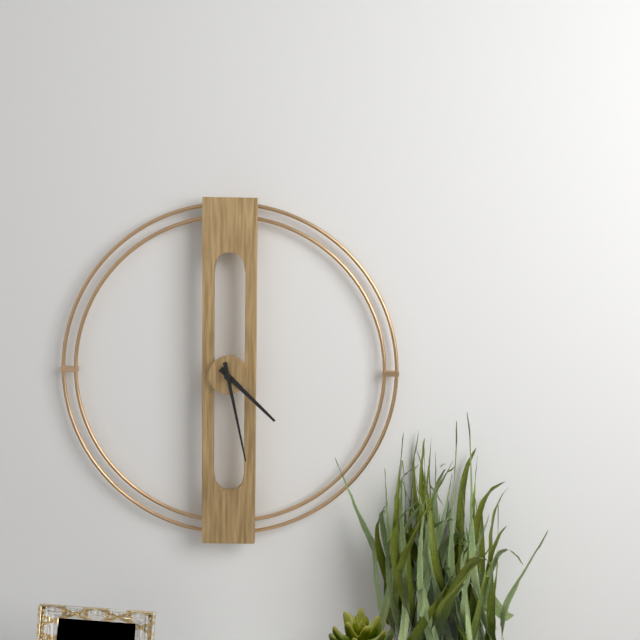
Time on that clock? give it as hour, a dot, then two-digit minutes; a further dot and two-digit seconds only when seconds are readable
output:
4.28
